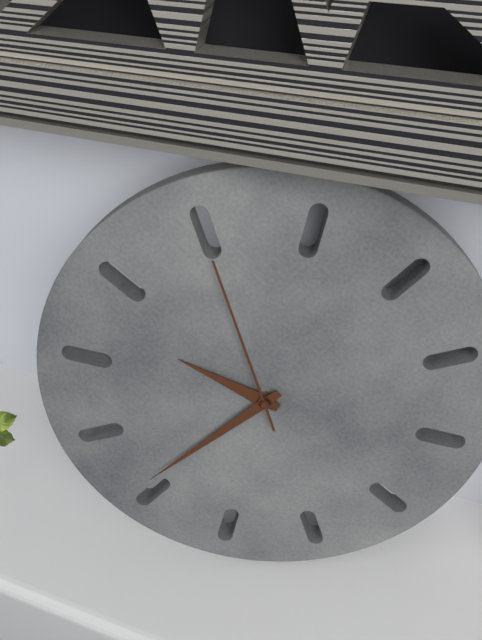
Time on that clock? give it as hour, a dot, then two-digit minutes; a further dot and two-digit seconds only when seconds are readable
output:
8.31.50
